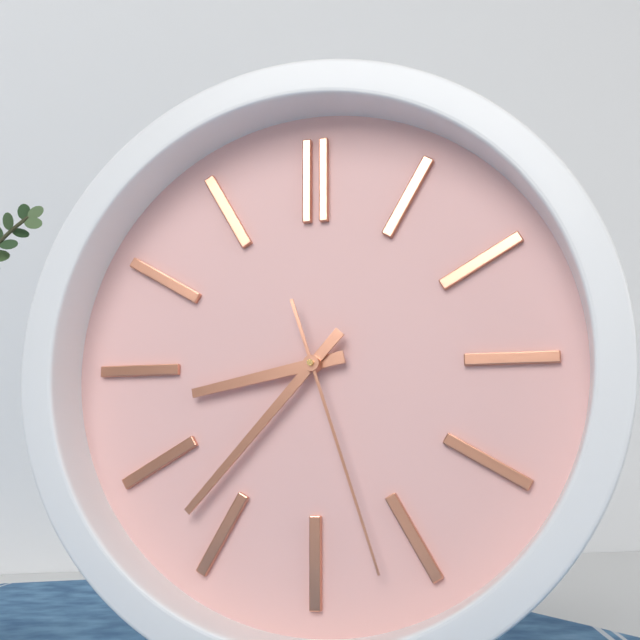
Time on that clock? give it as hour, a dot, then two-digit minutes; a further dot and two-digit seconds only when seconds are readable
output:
8.37.27
